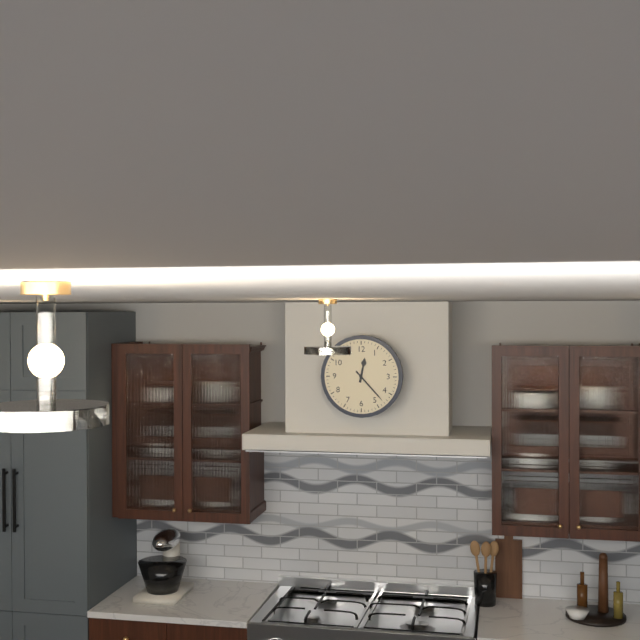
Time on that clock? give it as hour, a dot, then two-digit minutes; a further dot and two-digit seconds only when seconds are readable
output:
12.23
